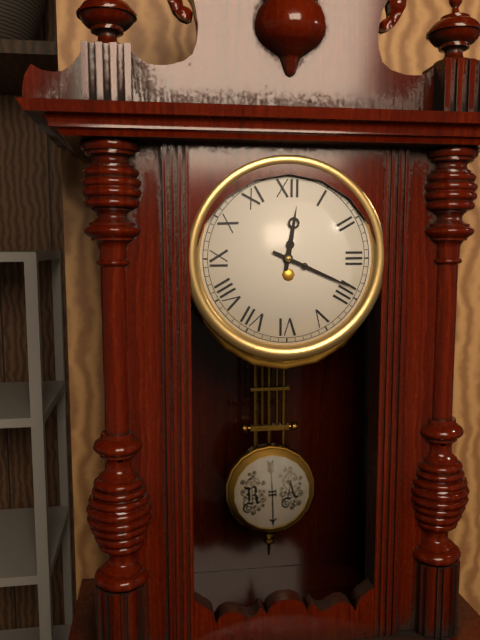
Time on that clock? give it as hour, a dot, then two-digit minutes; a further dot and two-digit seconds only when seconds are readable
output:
12.19
